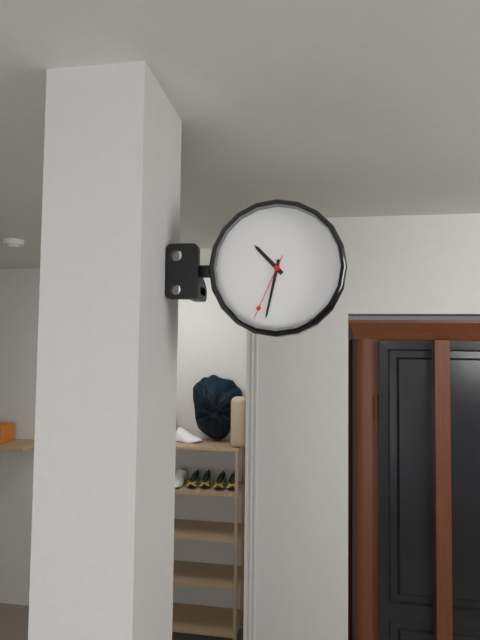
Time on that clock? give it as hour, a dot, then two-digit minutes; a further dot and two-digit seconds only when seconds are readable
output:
10.32.34
